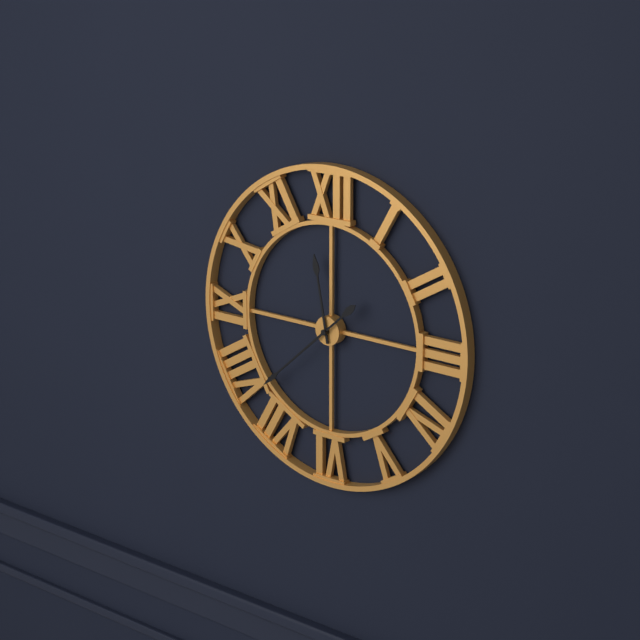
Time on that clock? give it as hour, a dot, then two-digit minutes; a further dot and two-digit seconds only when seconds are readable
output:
11.38
